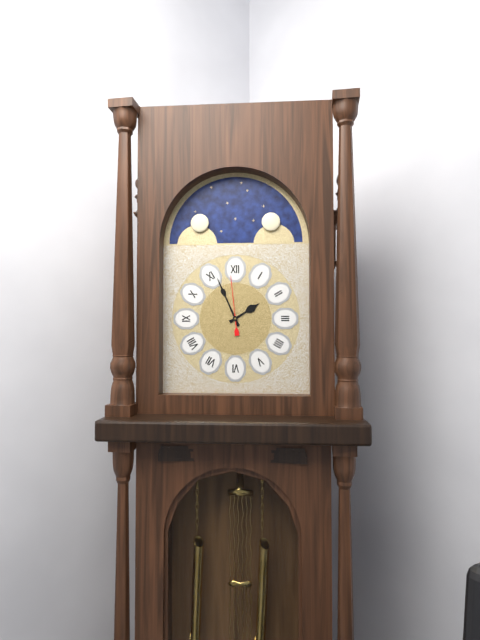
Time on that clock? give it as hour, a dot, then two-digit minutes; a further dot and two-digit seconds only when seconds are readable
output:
1.56.59
